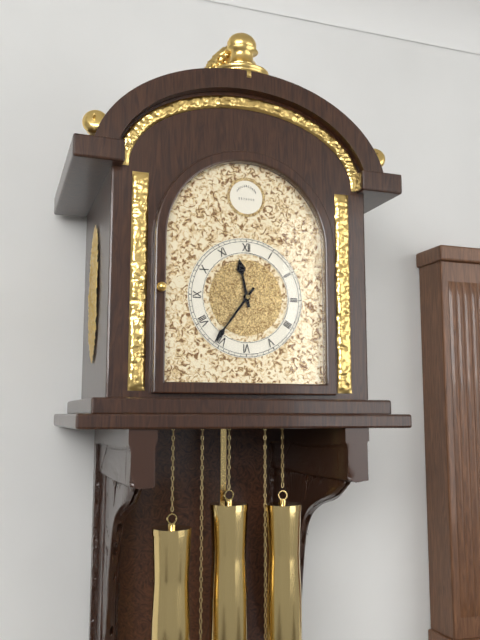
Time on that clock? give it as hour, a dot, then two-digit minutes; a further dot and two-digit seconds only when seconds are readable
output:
11.36
